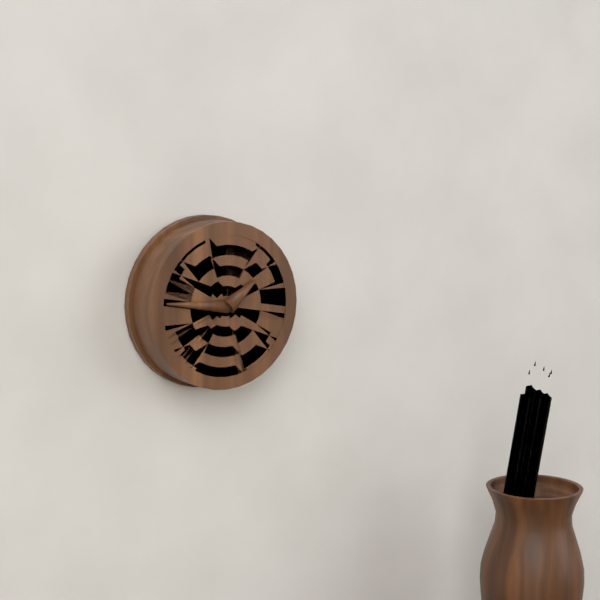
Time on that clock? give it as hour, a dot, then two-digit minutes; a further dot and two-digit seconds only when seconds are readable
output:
1.46
